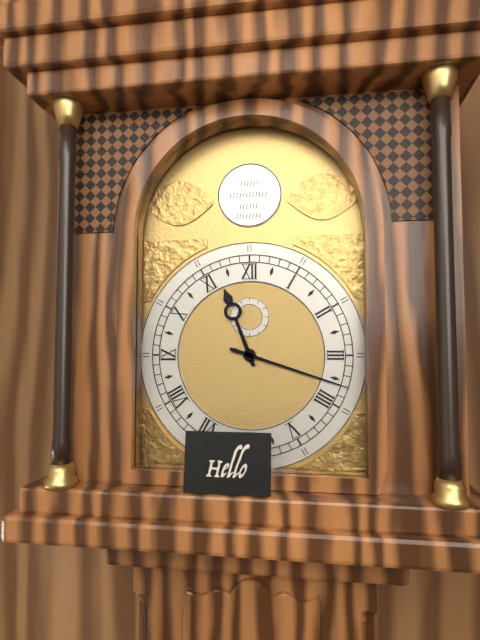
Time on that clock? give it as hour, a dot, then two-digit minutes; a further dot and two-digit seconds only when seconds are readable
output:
11.18
